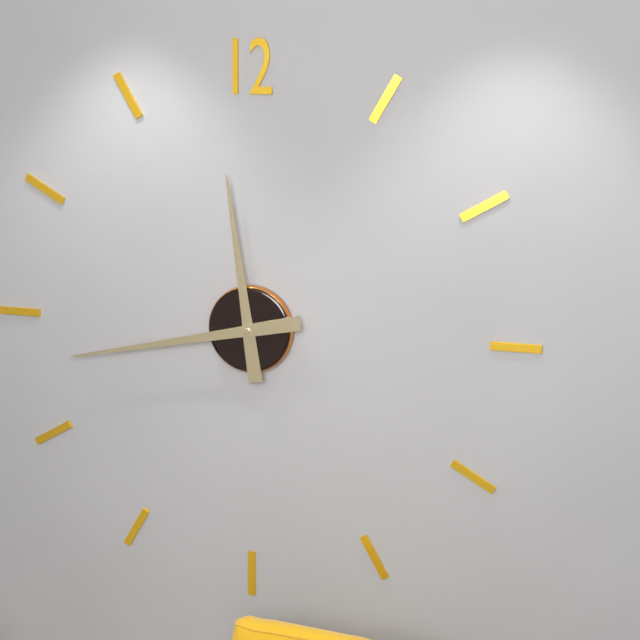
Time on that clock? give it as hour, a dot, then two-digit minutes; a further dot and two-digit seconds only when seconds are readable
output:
11.43
